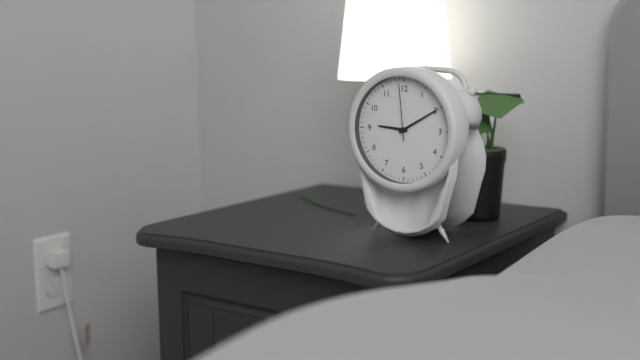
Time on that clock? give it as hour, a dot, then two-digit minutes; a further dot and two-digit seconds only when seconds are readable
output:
9.10.59
